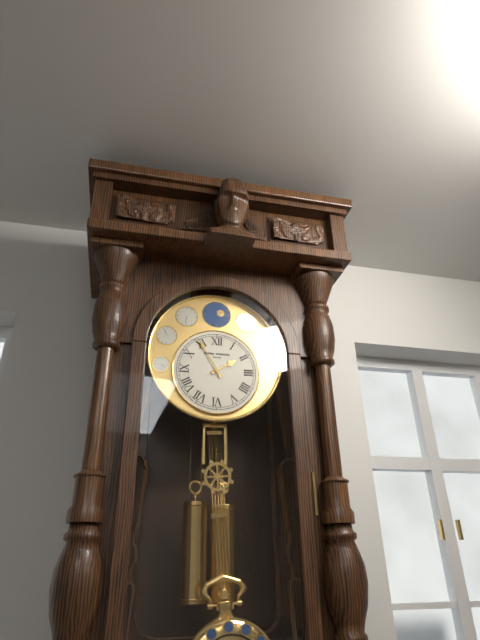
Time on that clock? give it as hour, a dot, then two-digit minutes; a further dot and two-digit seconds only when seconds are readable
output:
1.55
